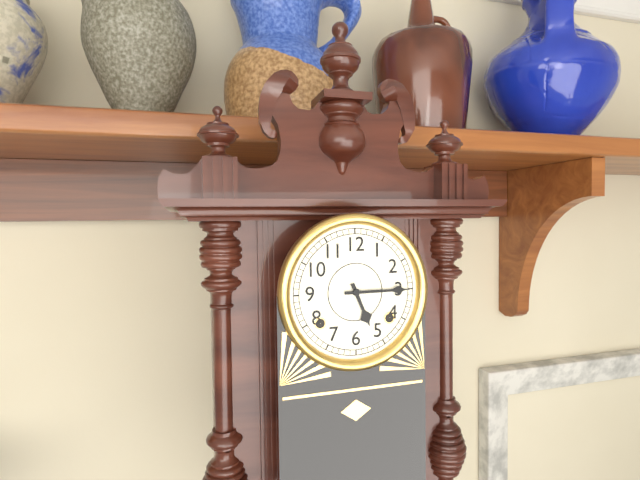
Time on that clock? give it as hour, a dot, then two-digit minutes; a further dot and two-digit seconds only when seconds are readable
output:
5.15
